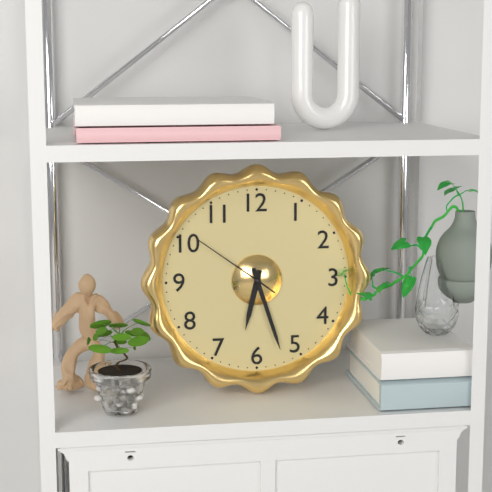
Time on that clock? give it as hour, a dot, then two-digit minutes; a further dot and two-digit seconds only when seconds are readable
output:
6.27.51
